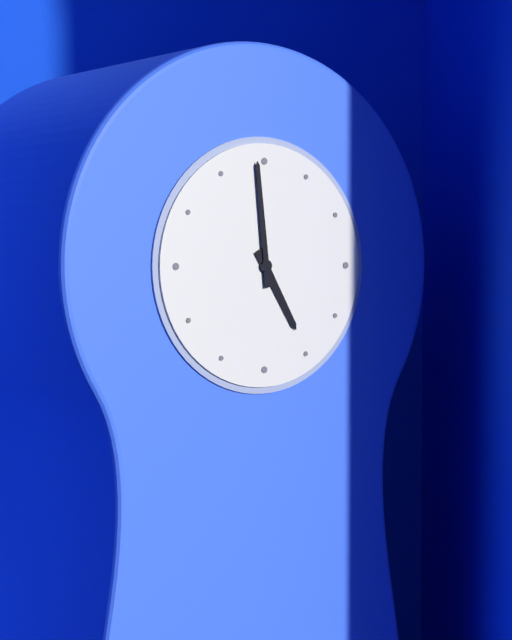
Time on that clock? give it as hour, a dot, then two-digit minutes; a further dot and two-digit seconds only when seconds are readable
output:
4.59
